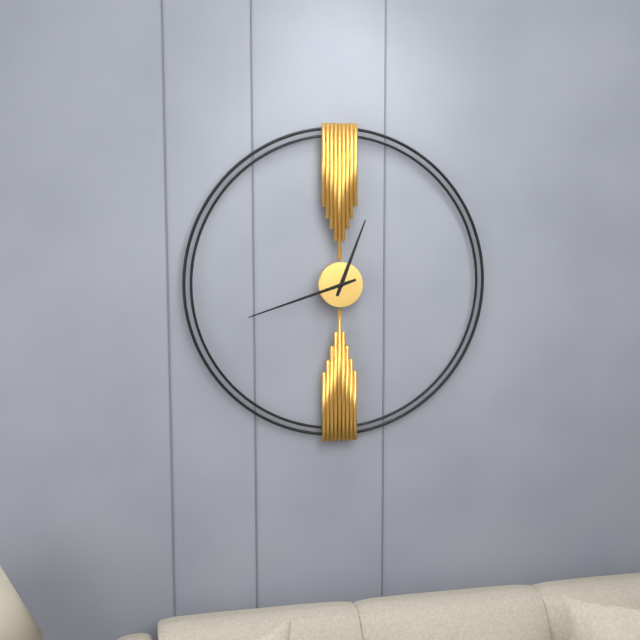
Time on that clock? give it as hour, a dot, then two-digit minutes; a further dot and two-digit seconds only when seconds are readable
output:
12.42
